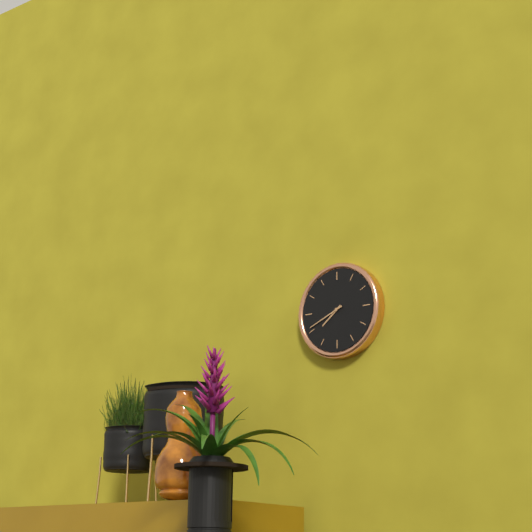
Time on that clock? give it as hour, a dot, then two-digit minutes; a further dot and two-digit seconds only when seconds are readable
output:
7.41
